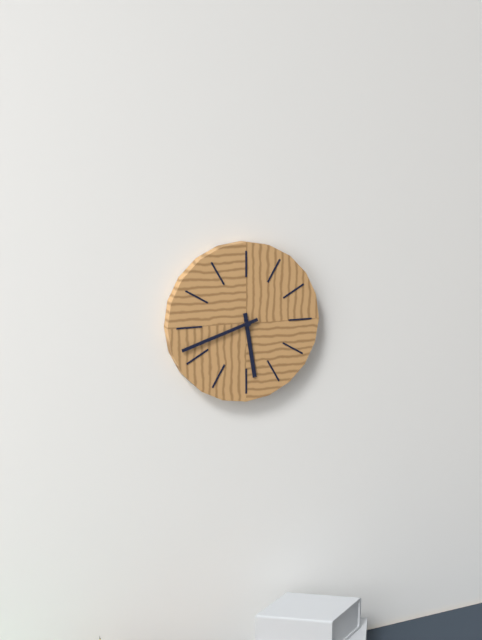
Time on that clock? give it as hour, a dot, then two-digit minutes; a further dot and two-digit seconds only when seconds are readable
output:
5.42
